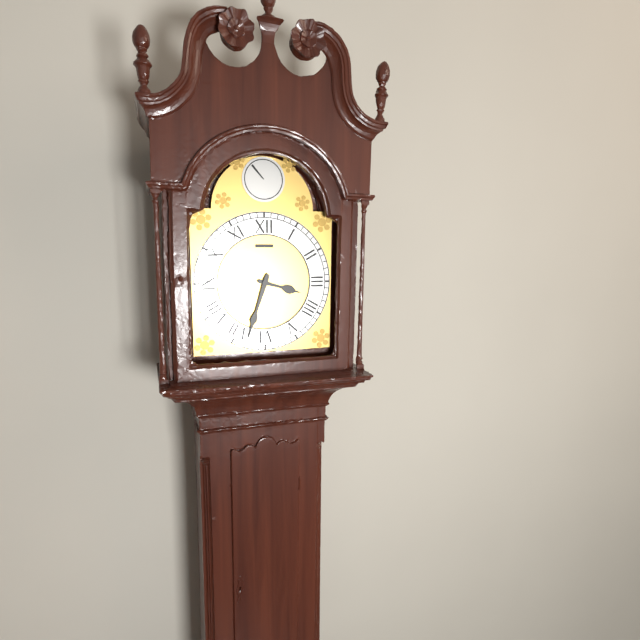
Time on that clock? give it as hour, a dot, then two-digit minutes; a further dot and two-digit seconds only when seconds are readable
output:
3.33
